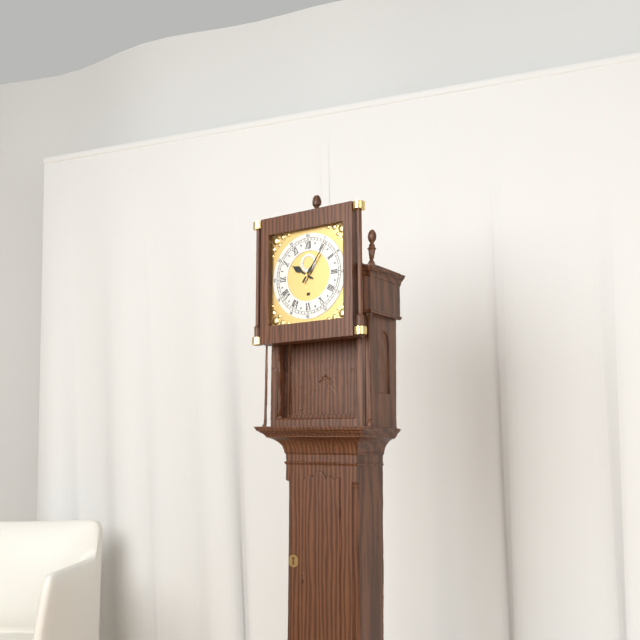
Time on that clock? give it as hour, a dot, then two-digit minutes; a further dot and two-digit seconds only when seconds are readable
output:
10.06
